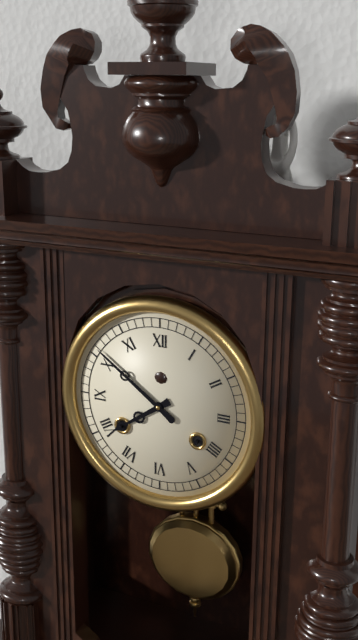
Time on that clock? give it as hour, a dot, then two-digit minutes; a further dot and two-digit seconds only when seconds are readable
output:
7.51
